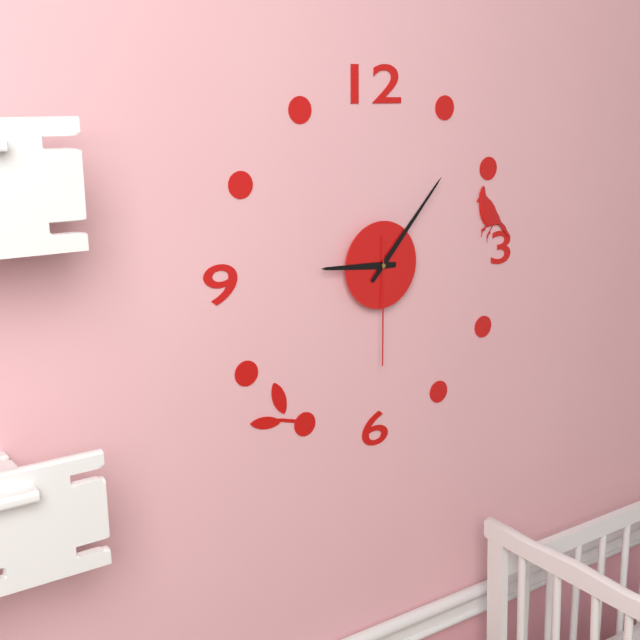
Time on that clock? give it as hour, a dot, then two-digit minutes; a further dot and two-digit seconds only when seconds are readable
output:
9.07.30
